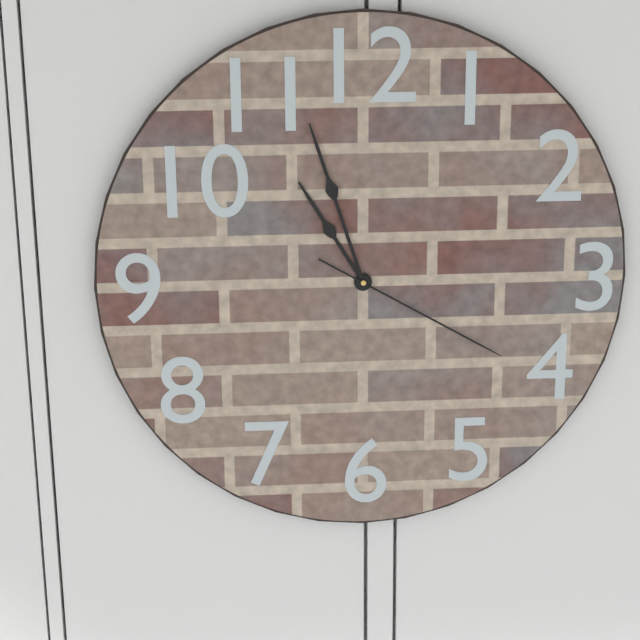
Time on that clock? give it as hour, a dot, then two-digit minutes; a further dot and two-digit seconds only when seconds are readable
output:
10.57.20
